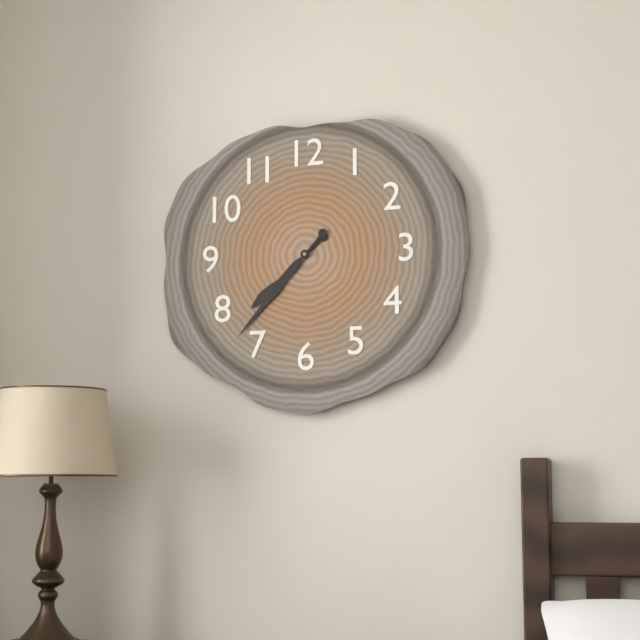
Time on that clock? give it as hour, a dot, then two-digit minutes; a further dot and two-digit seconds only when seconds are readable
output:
7.37
